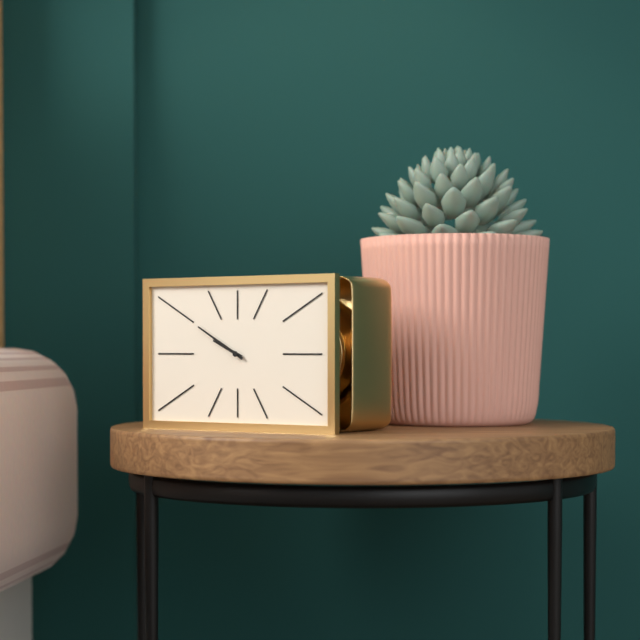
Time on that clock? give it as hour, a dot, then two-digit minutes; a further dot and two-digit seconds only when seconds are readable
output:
9.50
